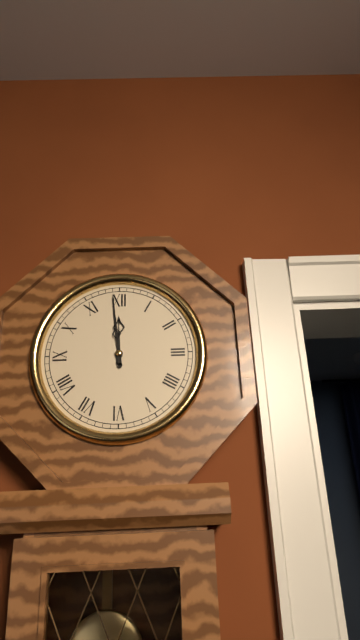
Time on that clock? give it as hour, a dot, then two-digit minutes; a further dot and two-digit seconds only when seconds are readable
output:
11.59
